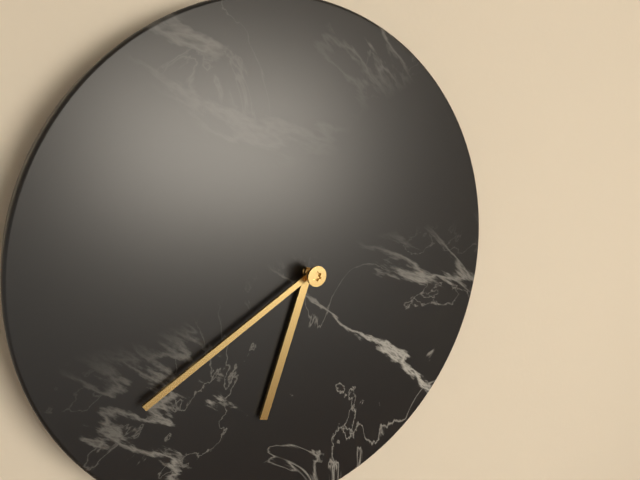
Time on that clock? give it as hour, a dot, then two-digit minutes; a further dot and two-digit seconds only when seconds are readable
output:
6.40
